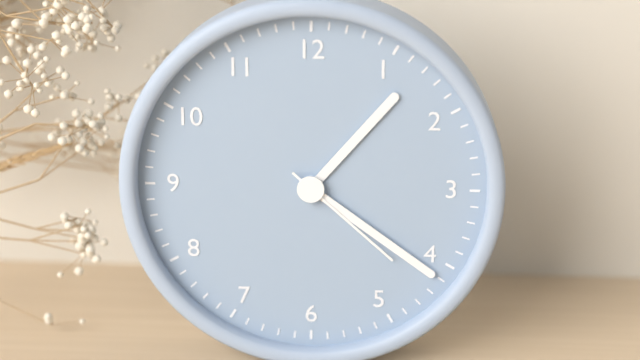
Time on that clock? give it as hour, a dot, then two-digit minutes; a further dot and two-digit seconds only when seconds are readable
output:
1.21.22
